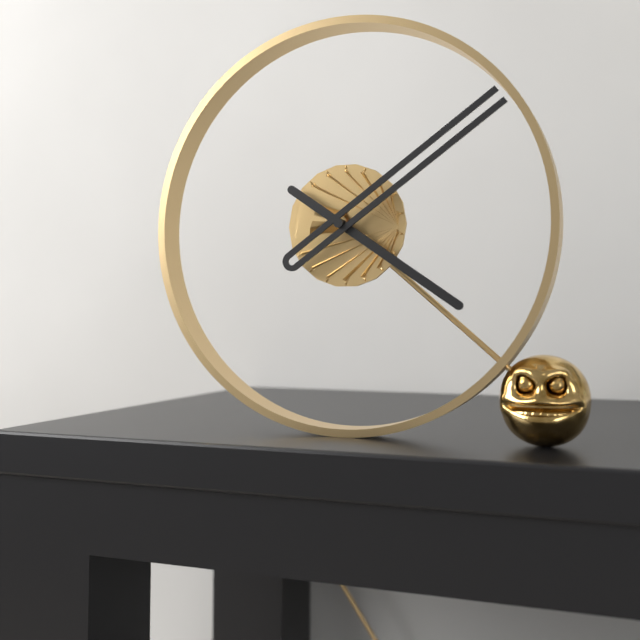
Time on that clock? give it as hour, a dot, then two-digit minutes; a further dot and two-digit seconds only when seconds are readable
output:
4.09
